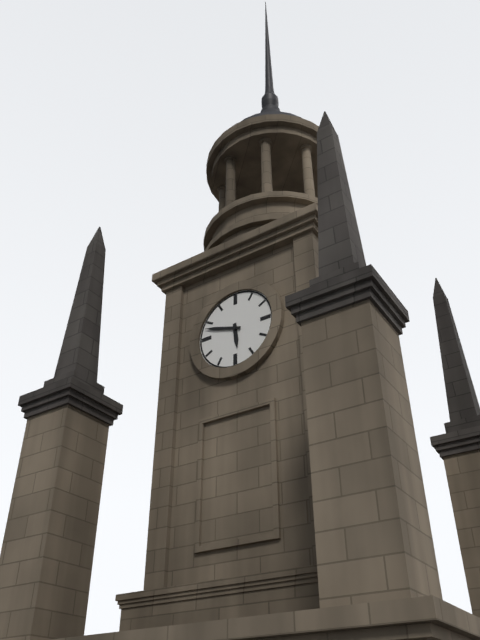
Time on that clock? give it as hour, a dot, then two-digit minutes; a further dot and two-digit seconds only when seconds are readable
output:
5.48
